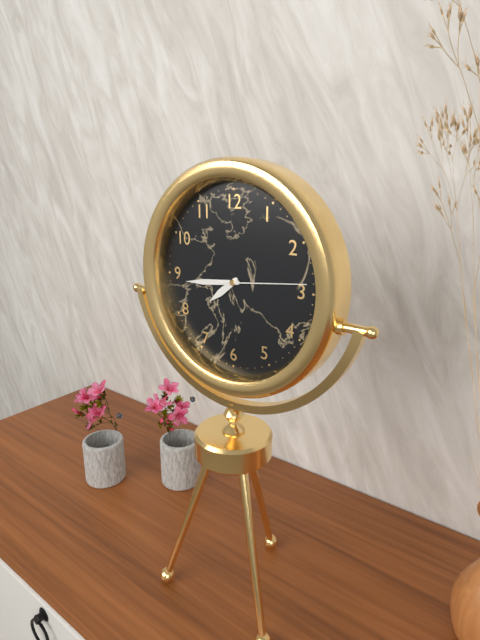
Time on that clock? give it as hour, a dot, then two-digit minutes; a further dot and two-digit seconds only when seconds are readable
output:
7.44.14
